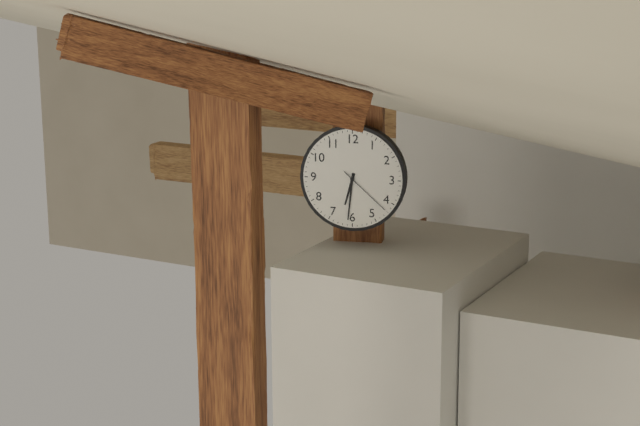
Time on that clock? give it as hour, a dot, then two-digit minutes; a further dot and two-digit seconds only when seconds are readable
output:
6.31.22
